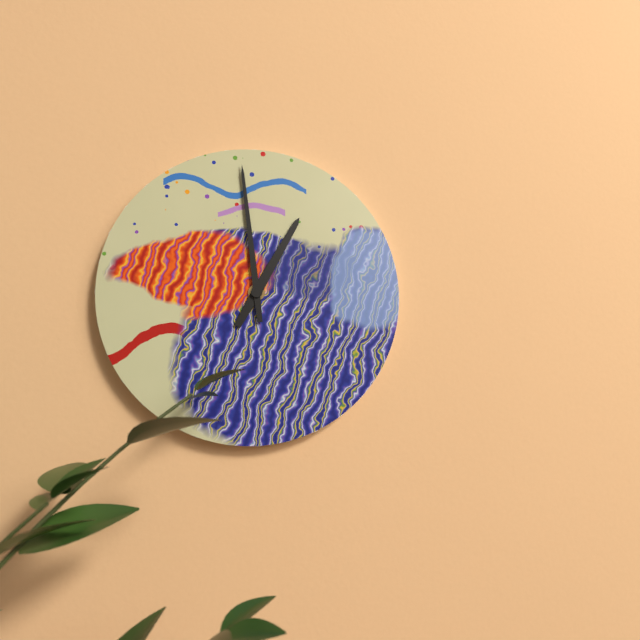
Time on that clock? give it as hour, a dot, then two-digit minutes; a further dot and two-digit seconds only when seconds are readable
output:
12.59
